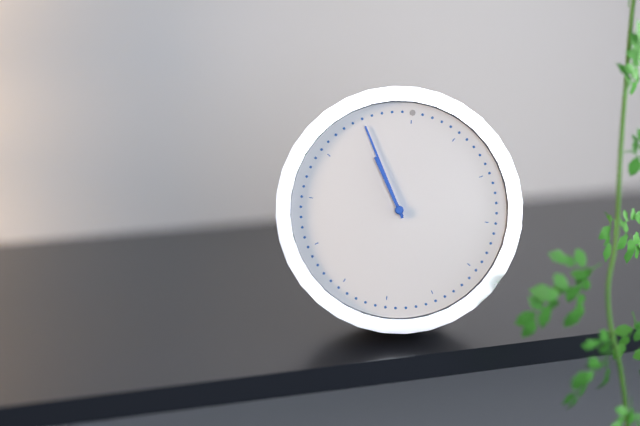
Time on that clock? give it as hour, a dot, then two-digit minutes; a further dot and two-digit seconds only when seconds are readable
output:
10.55
